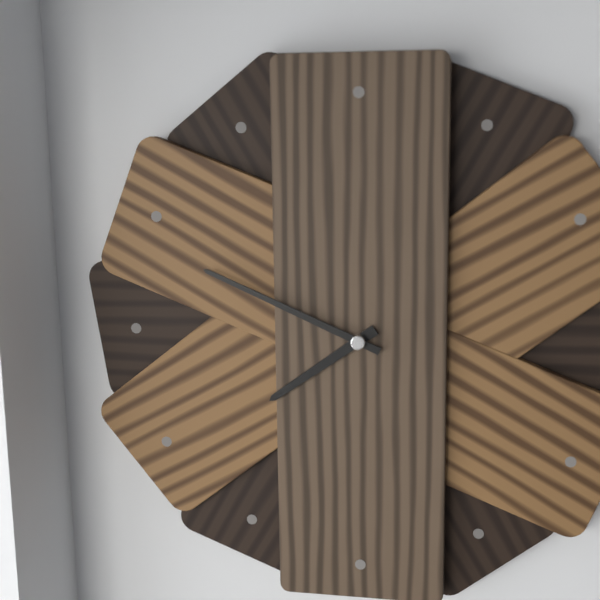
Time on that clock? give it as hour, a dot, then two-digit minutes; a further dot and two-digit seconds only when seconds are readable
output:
7.49
